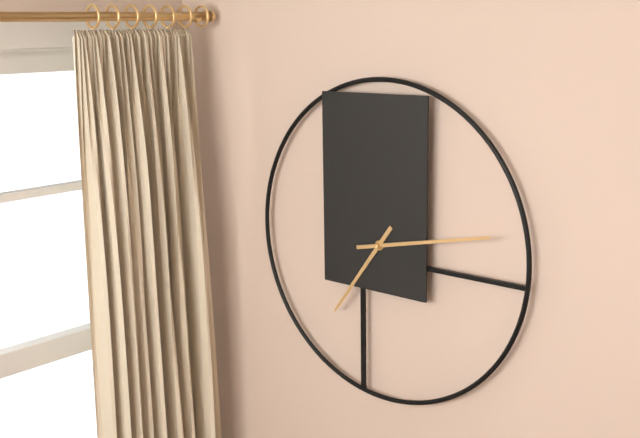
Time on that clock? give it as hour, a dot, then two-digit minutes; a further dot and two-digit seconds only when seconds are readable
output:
7.13
